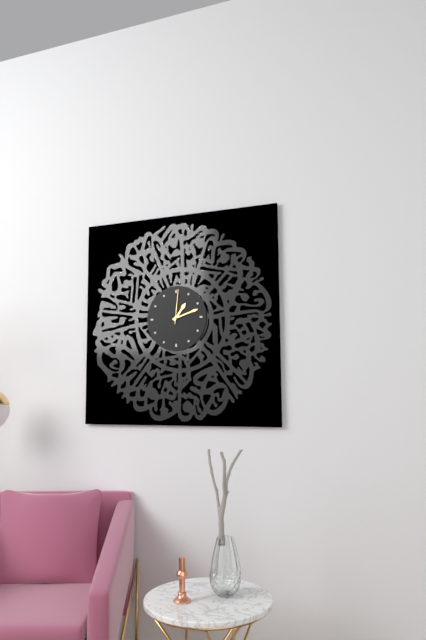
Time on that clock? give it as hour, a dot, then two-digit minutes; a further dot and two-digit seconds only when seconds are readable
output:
1.12
